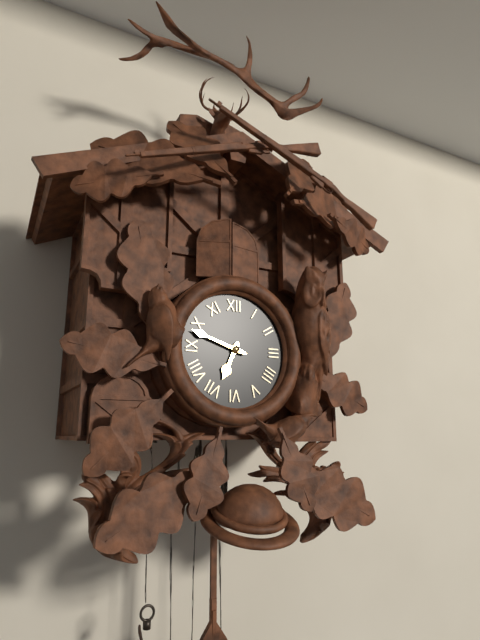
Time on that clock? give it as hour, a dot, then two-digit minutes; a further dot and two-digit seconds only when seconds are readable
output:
6.48
